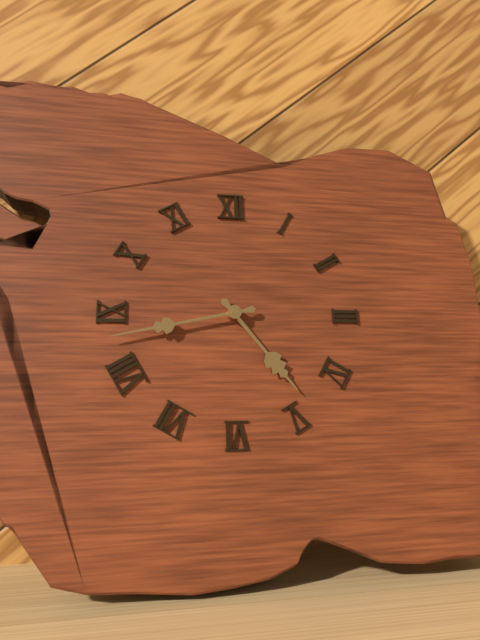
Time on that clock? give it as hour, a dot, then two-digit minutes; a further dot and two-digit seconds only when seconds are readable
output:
4.43
